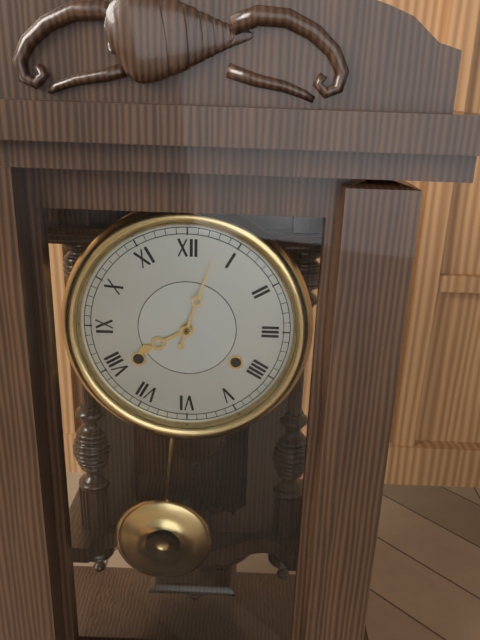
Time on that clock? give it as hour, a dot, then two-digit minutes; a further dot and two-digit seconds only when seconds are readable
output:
8.03
